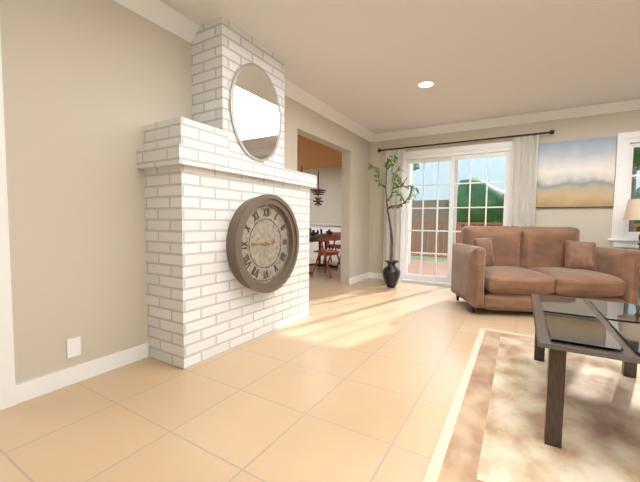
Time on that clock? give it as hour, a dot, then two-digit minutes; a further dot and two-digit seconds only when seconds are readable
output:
2.45
